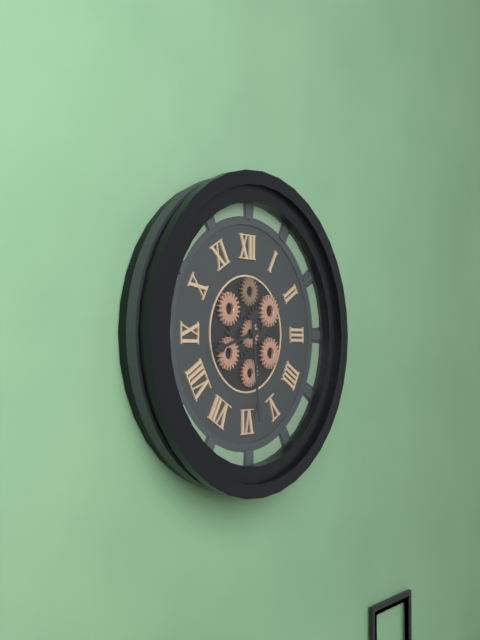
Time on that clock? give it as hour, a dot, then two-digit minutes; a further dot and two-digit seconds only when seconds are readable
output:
8.29
